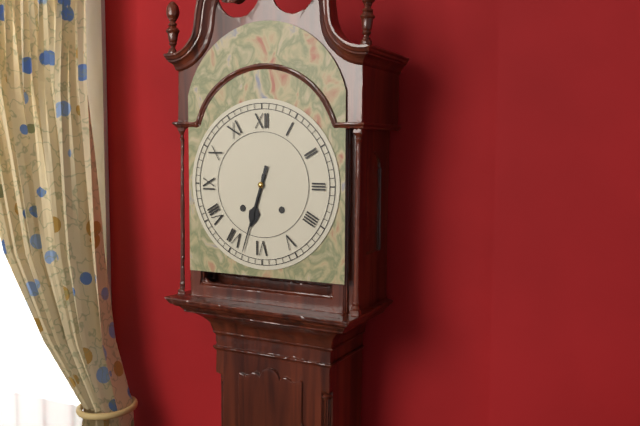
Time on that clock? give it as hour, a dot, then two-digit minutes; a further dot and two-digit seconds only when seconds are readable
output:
6.33
